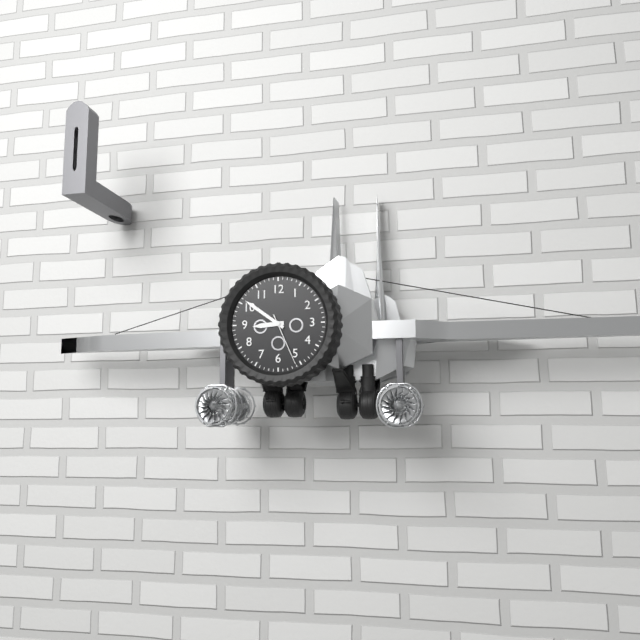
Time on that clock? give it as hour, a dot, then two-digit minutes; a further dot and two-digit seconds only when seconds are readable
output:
8.51.26
